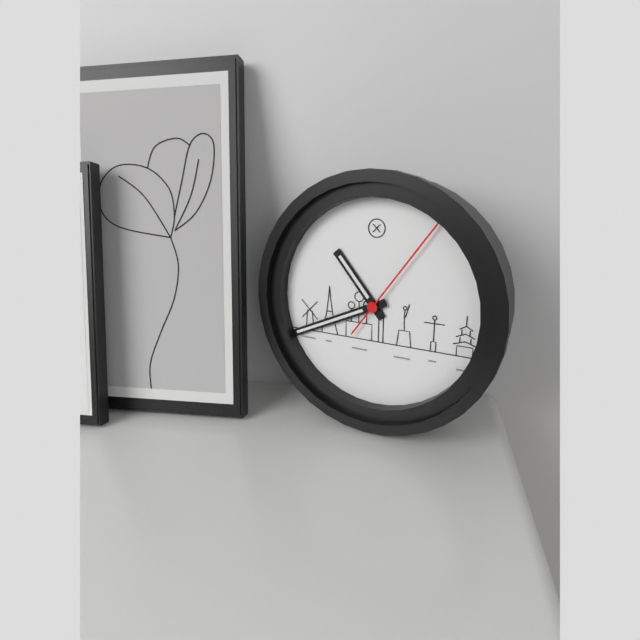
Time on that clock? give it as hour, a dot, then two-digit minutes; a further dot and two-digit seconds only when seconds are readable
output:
10.41.06
